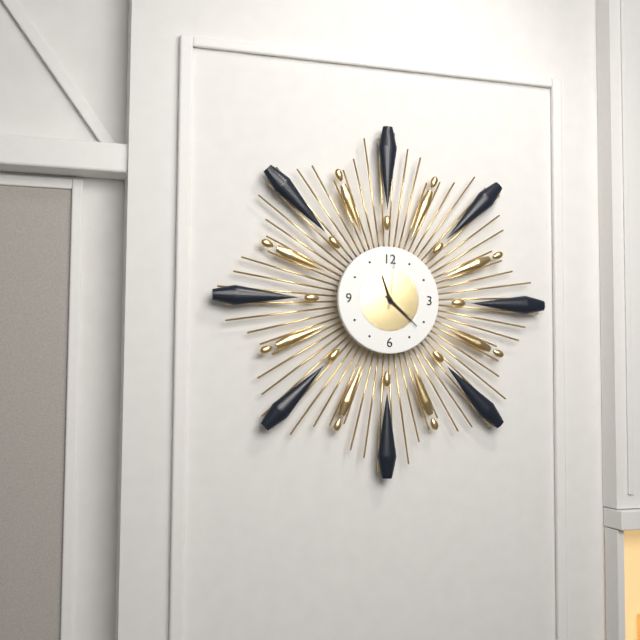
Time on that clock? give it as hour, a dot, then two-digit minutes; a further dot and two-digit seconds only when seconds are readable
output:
11.22.01
